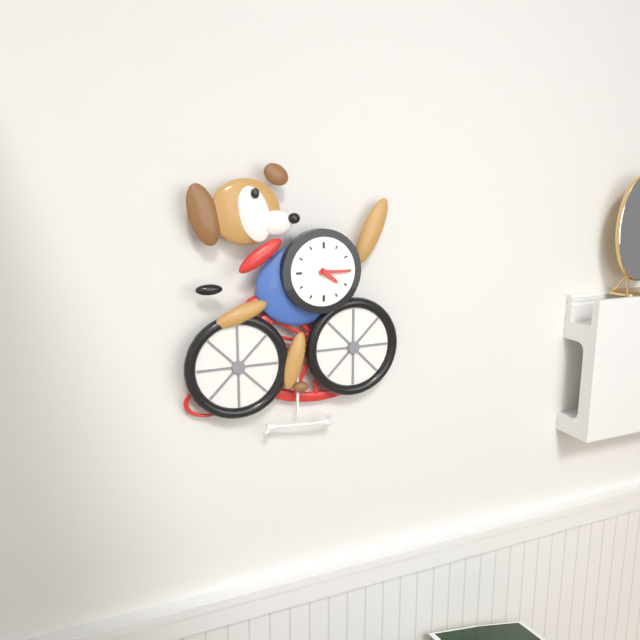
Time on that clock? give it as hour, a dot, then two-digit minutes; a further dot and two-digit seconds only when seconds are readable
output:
4.15
